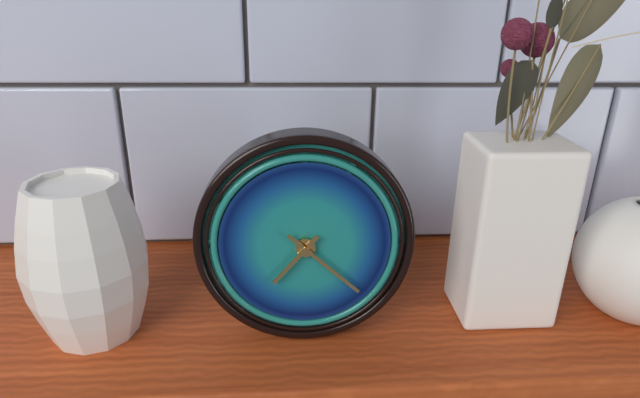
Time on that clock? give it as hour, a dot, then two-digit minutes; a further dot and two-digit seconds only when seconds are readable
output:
7.22
